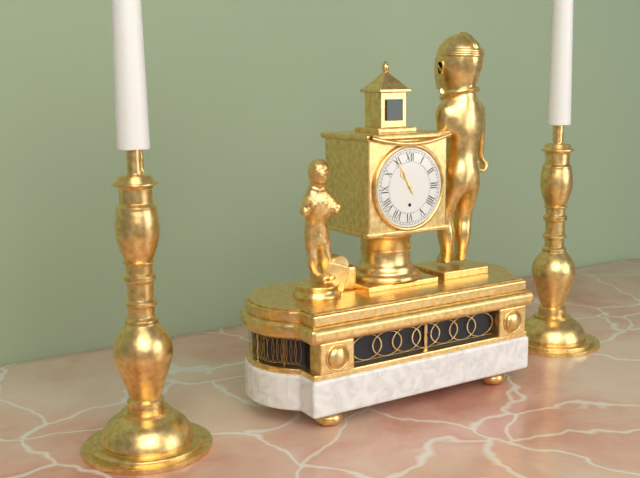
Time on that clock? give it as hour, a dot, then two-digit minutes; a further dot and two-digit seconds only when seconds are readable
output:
10.55
